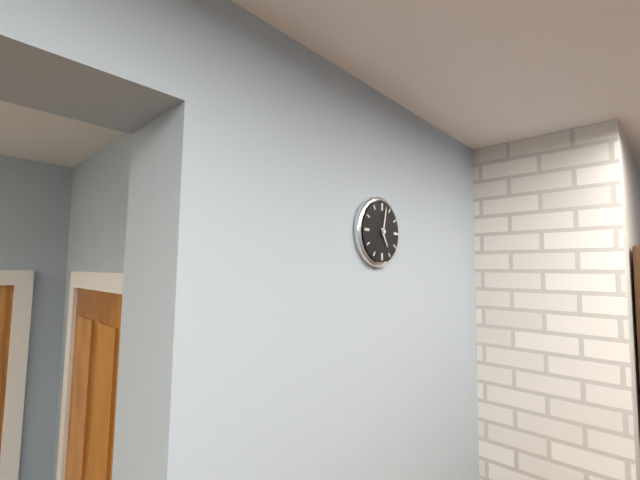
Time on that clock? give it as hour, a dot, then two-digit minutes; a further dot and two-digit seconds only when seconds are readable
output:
5.02
